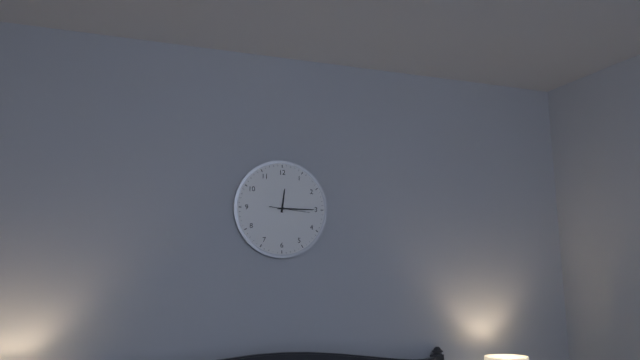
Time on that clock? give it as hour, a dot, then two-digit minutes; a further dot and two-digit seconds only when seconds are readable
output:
12.15
